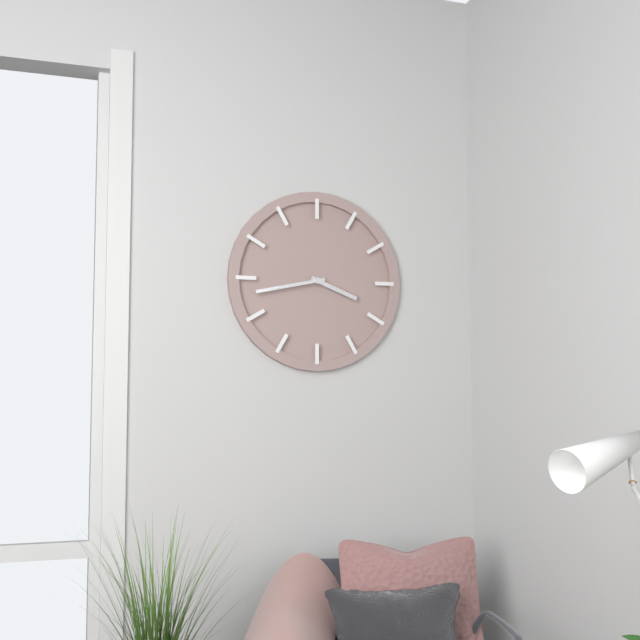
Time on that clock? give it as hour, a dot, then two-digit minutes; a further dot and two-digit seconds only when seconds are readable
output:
3.43
